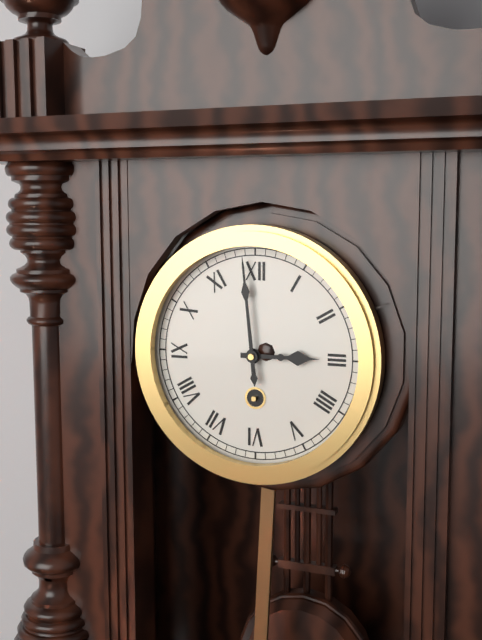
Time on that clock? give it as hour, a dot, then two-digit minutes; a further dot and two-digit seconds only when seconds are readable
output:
2.59
